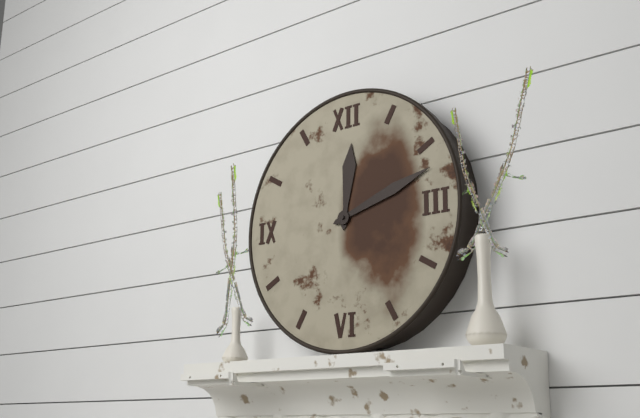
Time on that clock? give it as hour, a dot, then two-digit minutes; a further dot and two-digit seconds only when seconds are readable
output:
12.12
